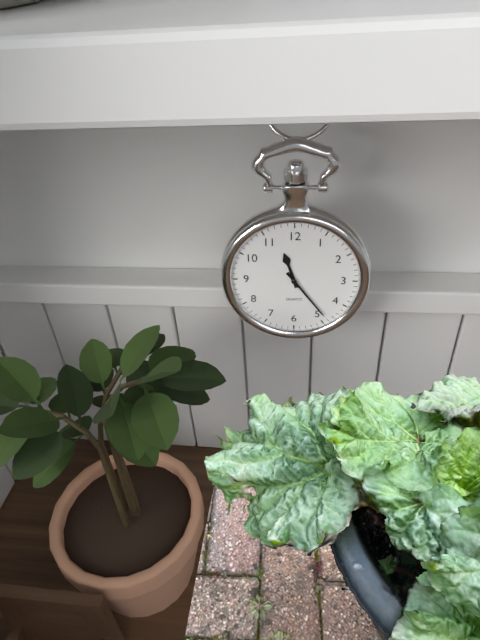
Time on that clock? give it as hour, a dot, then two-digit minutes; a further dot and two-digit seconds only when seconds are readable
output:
11.24
